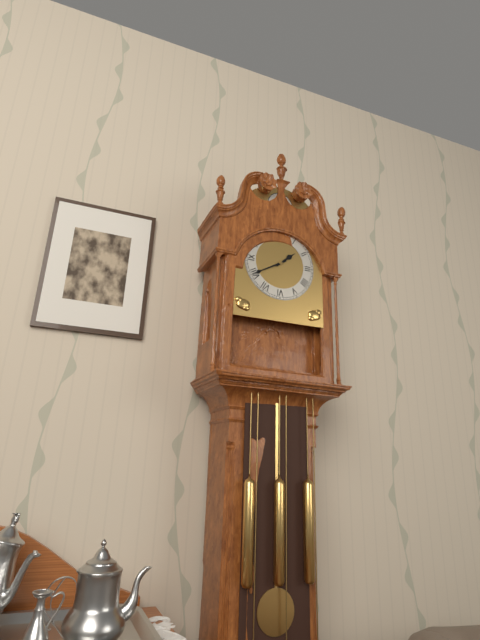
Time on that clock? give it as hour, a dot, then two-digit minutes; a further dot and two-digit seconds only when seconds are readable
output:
1.40
